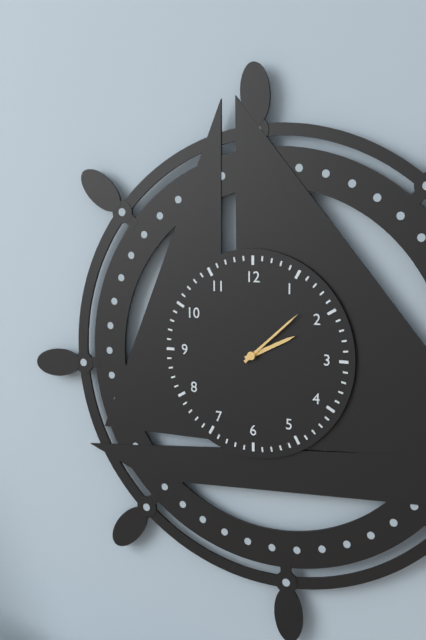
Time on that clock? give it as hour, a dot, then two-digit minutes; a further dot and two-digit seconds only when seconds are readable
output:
2.08
